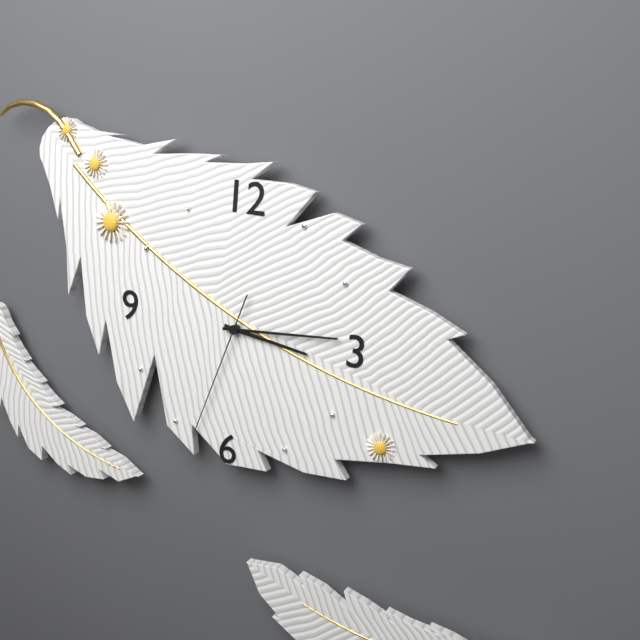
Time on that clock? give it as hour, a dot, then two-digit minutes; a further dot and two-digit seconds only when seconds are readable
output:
3.14.33
